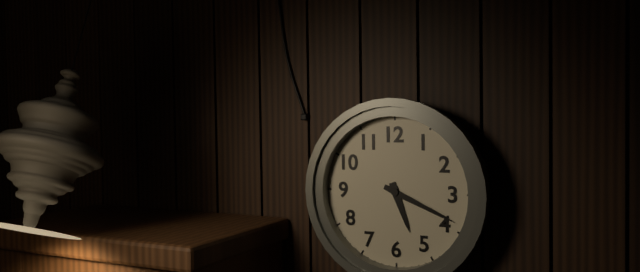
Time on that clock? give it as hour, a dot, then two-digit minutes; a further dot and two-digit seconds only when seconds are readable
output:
5.19
